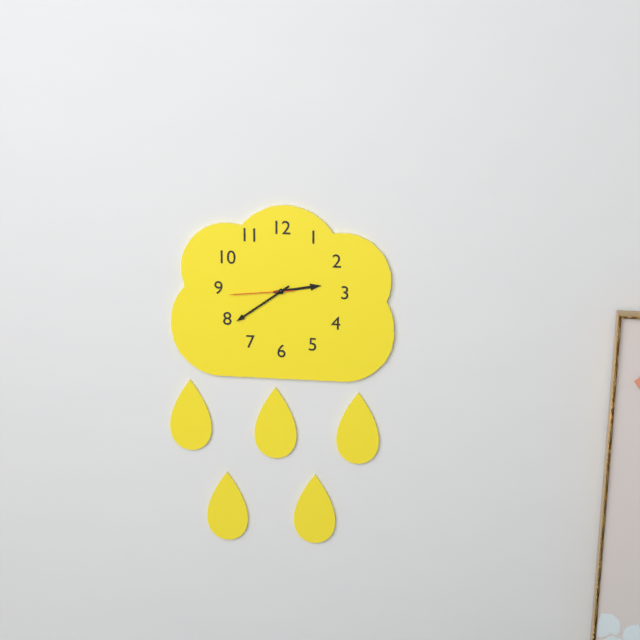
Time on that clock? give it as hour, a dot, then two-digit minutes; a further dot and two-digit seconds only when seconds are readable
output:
2.39.44
